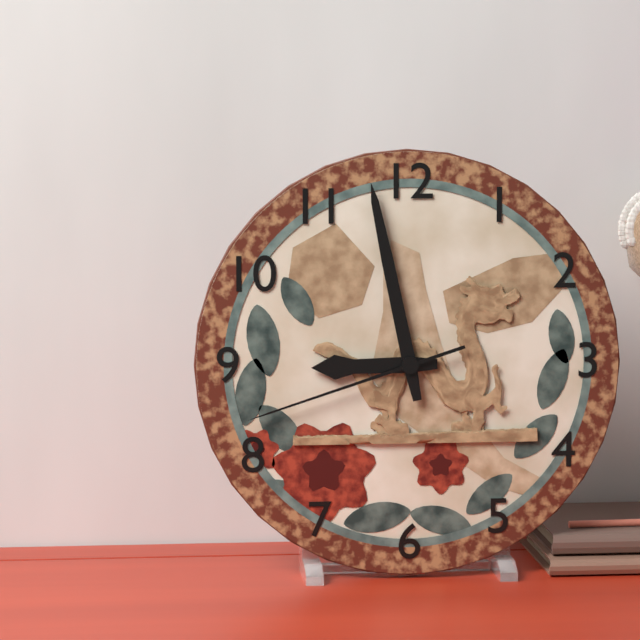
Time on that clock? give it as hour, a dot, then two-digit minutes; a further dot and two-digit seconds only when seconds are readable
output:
8.58.42
